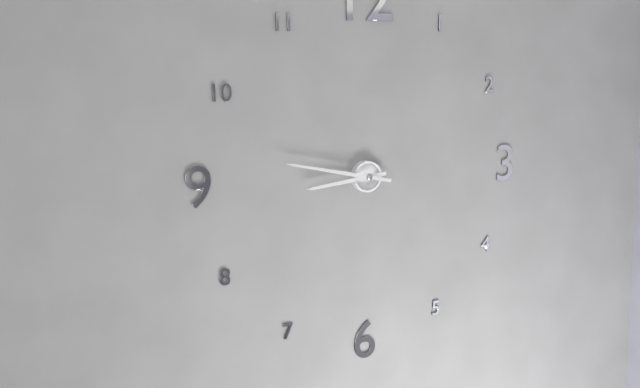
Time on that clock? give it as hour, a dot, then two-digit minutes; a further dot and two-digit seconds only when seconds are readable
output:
8.47
